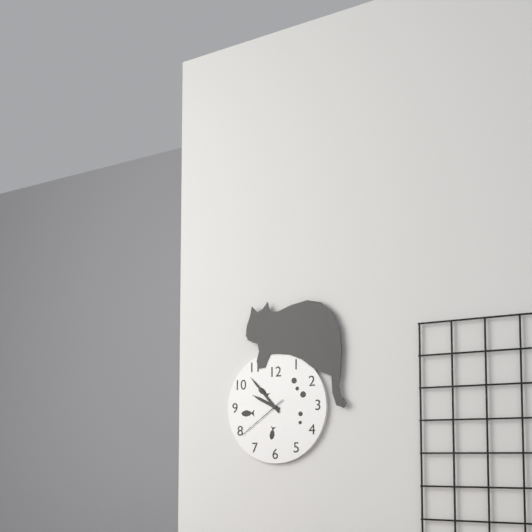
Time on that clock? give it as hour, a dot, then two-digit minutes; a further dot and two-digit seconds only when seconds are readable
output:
9.53.39
